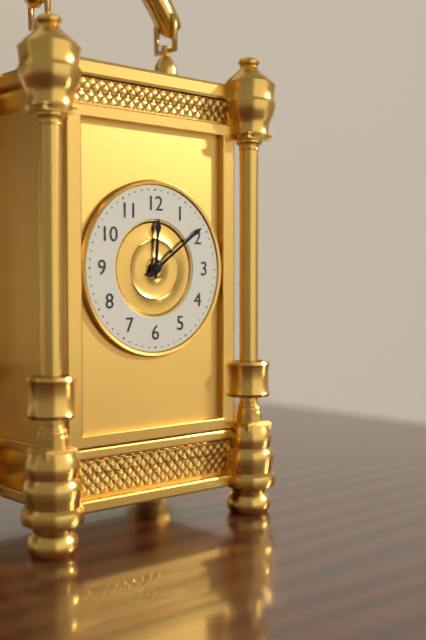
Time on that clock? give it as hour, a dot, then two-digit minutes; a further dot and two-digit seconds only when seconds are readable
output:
12.09
